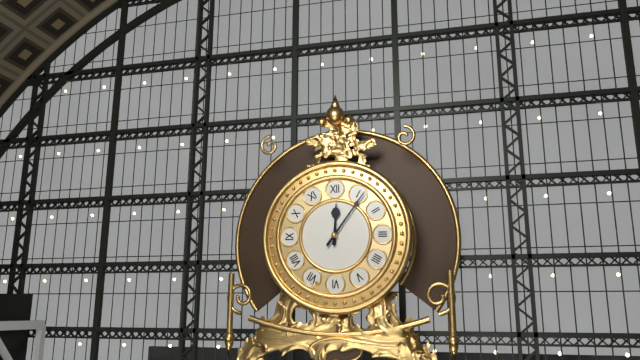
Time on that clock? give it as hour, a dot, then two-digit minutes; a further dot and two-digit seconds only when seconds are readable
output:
12.06
